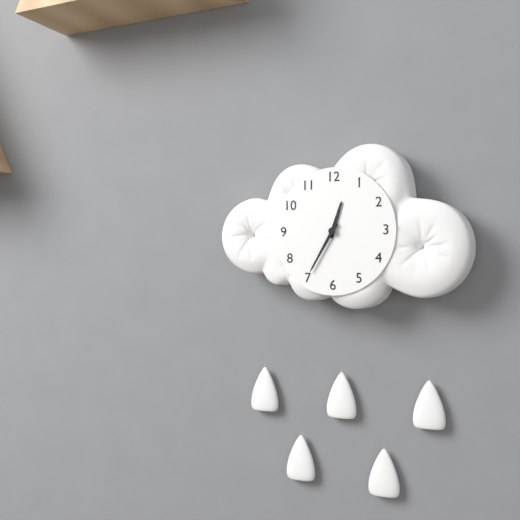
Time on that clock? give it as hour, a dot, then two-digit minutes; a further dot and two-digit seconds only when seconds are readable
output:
12.35
